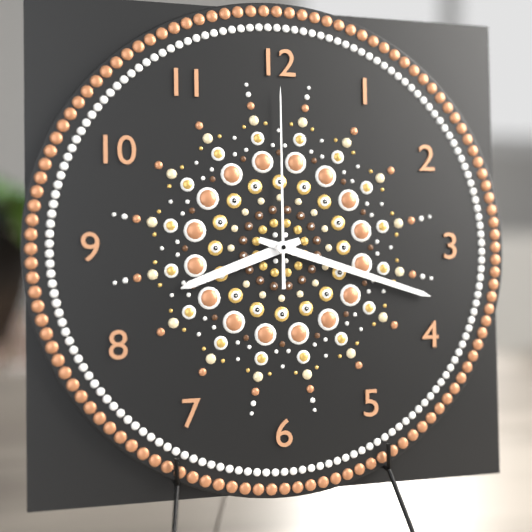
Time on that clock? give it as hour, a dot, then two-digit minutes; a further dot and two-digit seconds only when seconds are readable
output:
8.18.00
